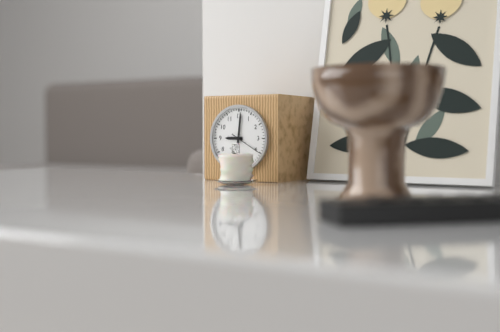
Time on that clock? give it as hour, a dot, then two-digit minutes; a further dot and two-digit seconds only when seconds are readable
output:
9.01
